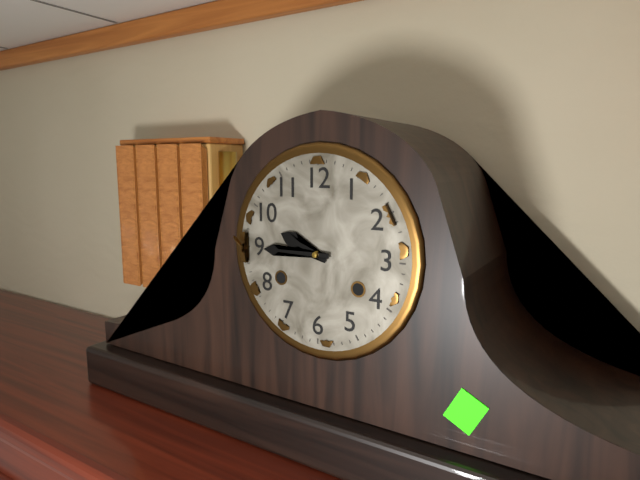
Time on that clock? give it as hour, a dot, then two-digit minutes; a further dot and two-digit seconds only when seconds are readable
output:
9.45
